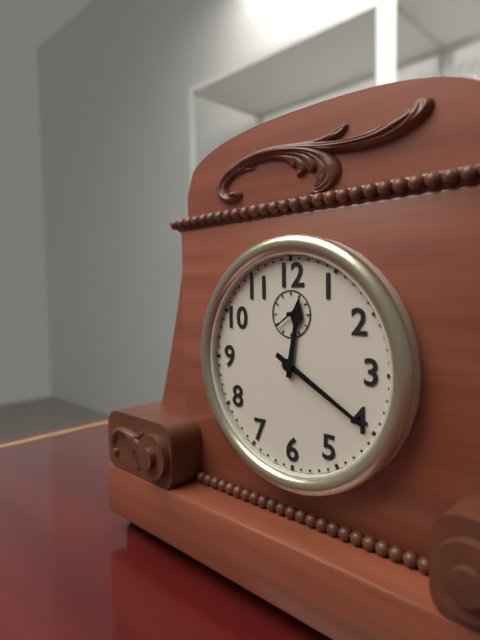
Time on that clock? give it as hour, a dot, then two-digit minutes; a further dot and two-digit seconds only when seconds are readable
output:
12.20
